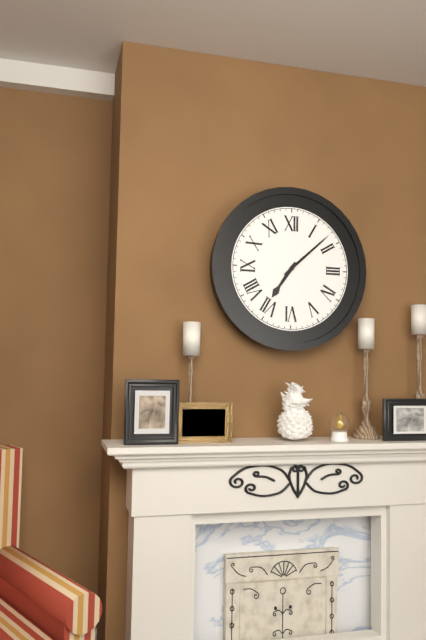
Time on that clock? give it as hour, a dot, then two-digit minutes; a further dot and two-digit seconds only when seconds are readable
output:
7.08
